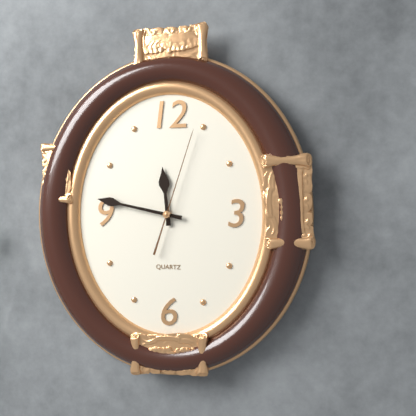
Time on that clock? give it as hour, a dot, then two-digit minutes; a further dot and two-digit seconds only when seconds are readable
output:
11.47.03
